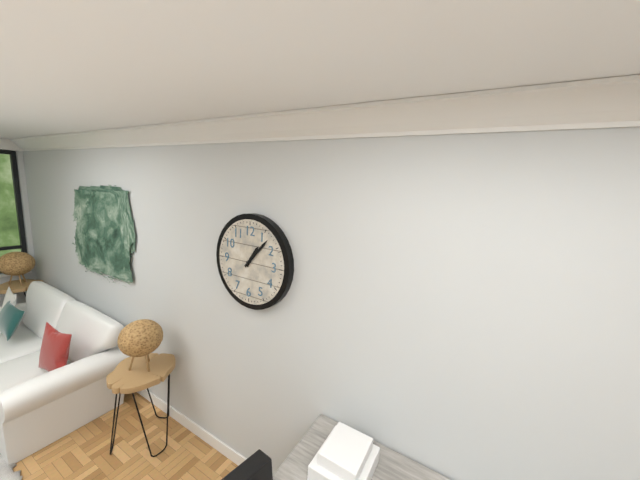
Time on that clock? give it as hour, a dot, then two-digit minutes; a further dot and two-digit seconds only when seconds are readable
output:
1.07
